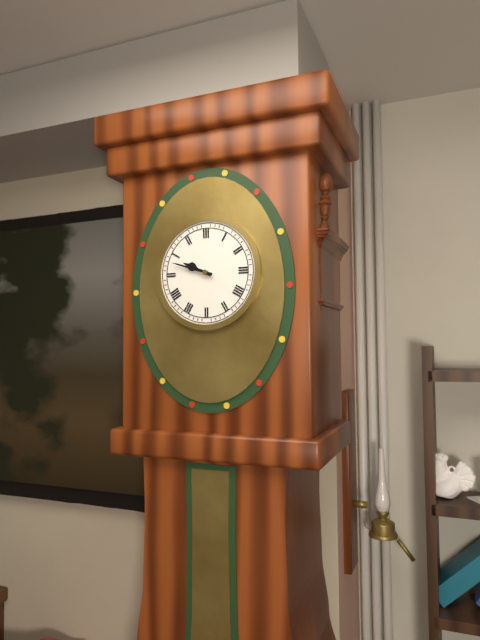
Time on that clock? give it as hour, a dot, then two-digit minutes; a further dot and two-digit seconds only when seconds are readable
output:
9.48
